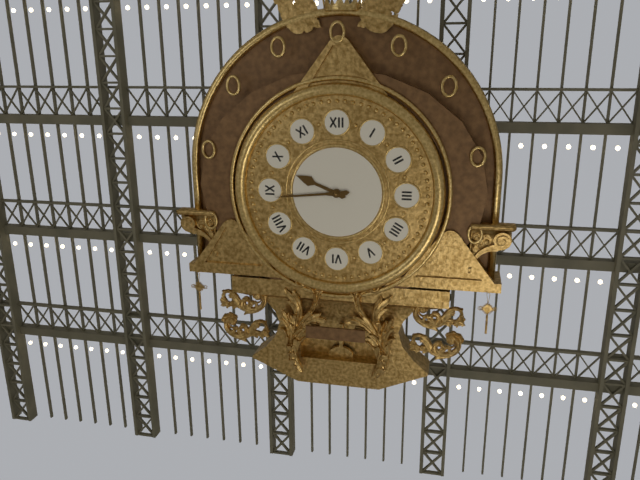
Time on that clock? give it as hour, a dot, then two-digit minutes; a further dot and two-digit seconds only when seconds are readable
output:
9.44
